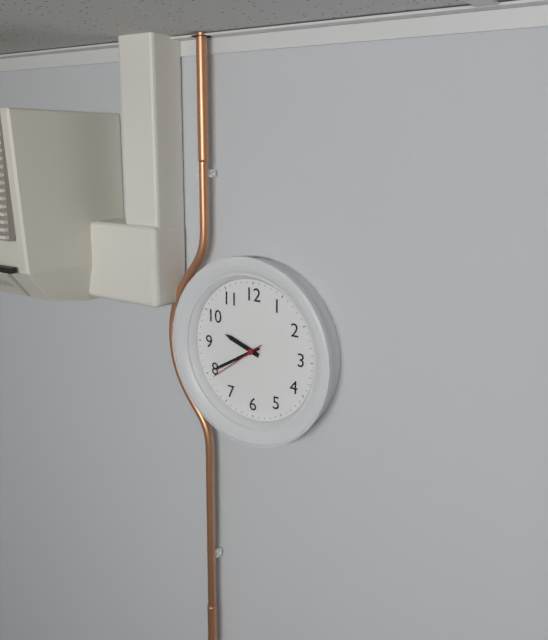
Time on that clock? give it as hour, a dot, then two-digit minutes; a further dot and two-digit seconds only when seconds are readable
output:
9.40.39
